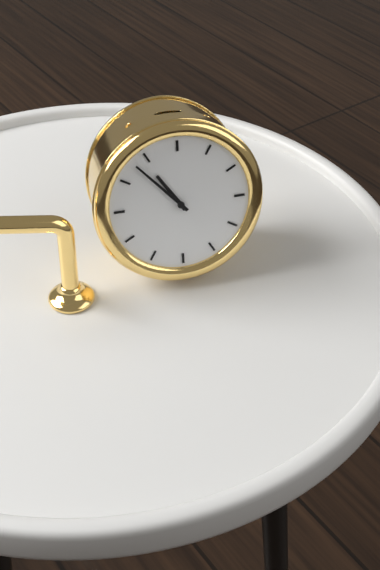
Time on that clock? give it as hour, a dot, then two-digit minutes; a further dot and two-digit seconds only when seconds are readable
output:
10.53
